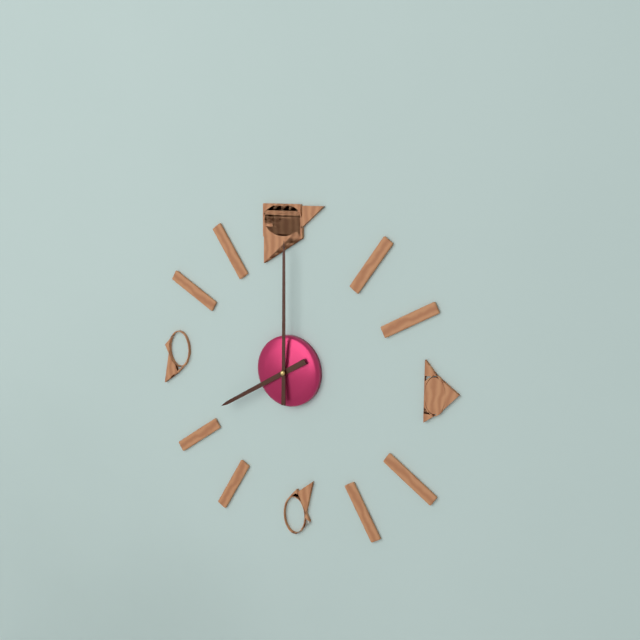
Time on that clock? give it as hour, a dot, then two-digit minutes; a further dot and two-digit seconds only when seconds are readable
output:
8.00
